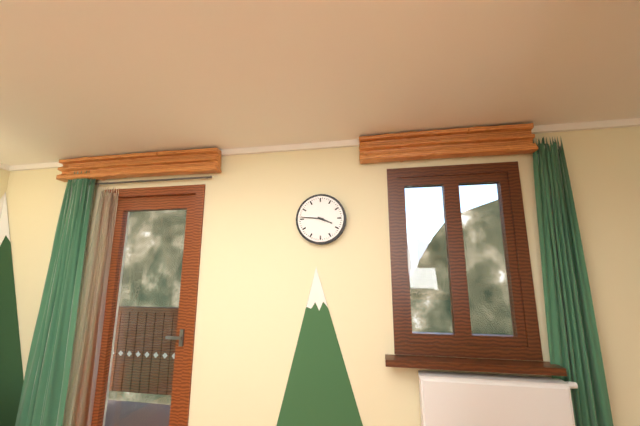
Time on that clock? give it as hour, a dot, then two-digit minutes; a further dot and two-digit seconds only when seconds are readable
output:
3.46
